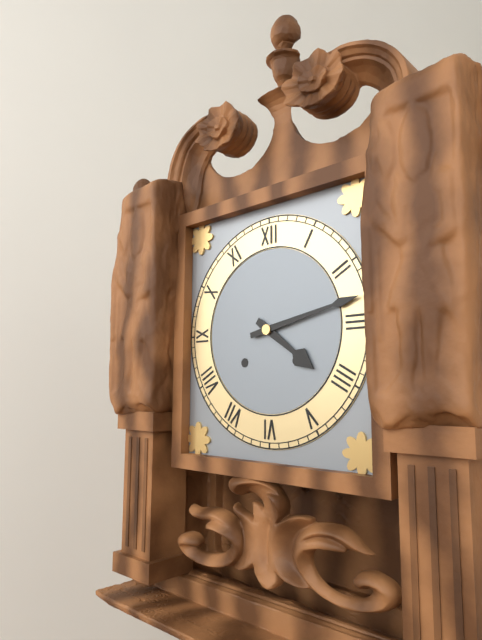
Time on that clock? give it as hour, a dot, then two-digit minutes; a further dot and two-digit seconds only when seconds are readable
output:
4.13
